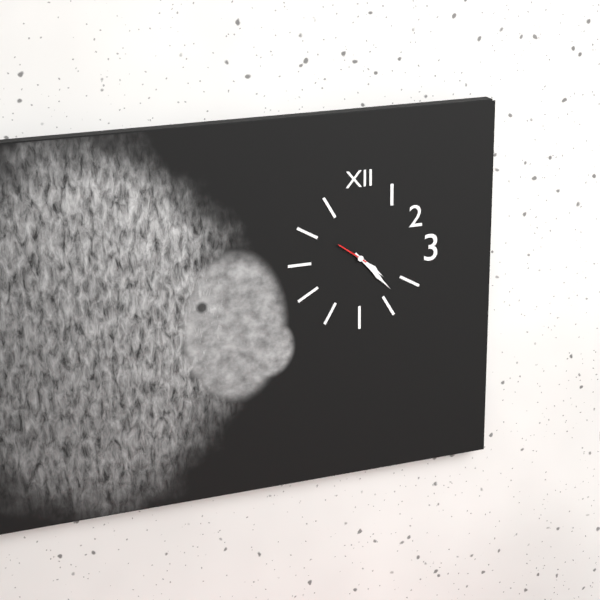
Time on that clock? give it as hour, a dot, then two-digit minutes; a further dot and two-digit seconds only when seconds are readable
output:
4.23
